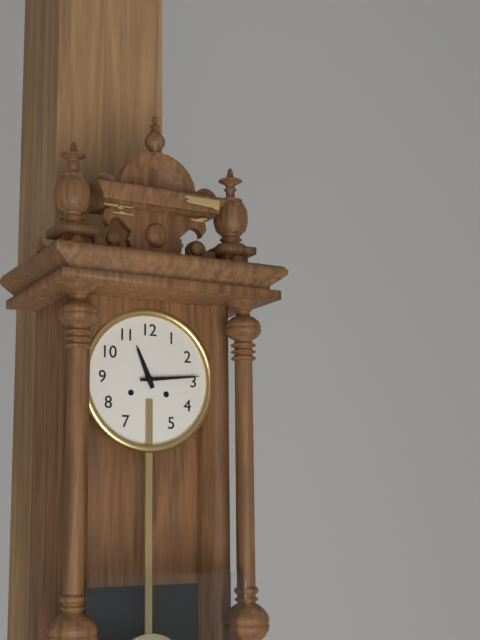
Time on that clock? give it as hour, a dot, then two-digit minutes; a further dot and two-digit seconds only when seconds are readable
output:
11.14
